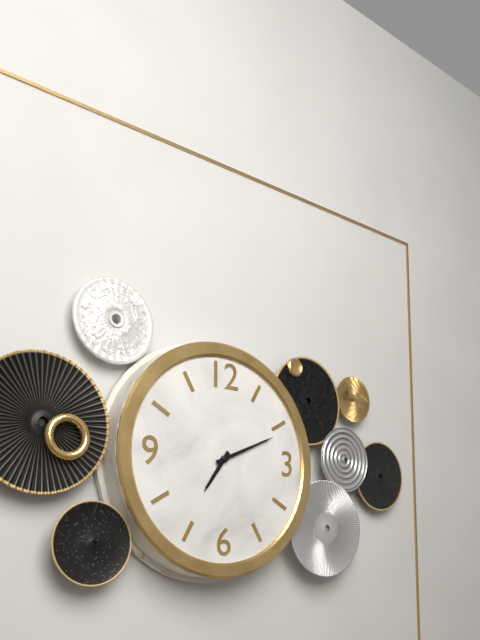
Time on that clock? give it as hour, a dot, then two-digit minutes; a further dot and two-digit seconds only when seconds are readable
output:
7.11
